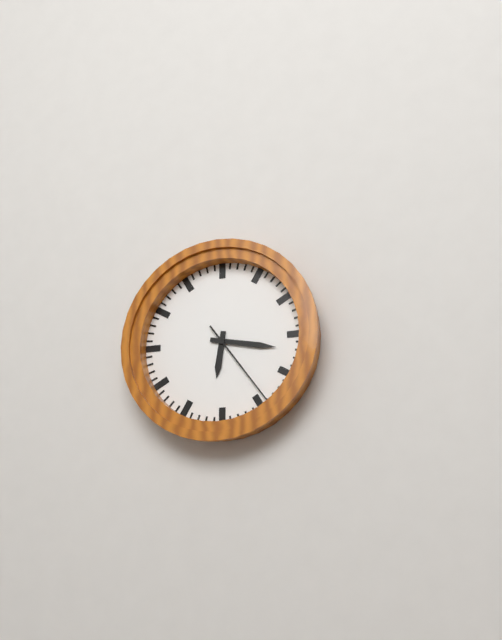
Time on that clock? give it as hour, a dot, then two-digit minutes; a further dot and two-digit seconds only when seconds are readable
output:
6.17.24
